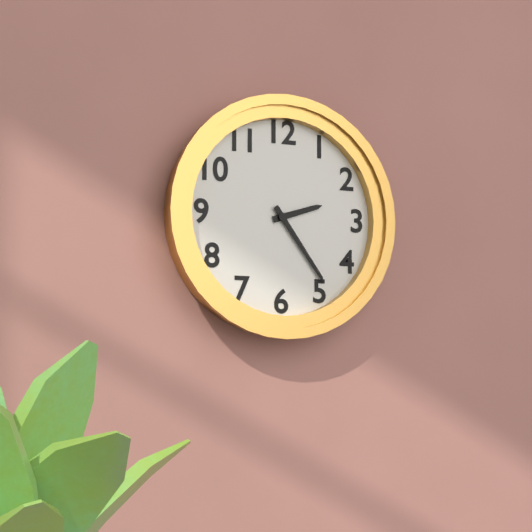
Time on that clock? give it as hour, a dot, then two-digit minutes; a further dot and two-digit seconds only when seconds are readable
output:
2.24
